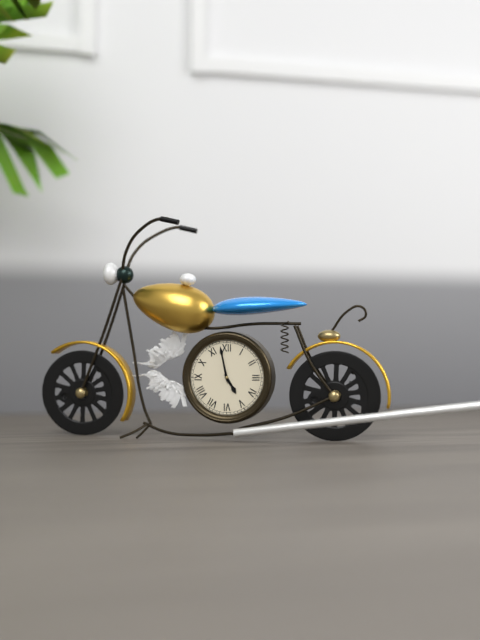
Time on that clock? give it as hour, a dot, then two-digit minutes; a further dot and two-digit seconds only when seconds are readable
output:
4.58
